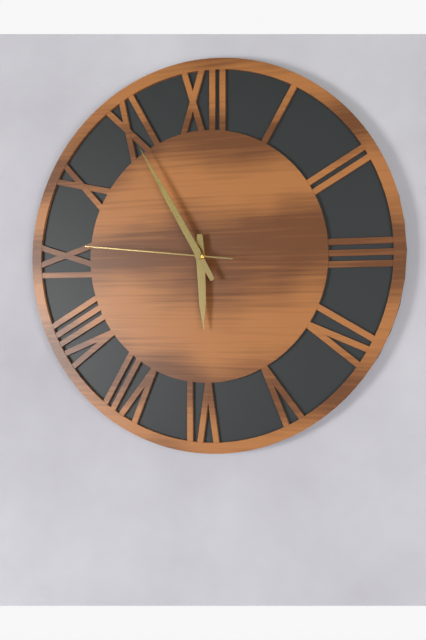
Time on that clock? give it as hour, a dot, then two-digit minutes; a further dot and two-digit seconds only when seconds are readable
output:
5.55.46
